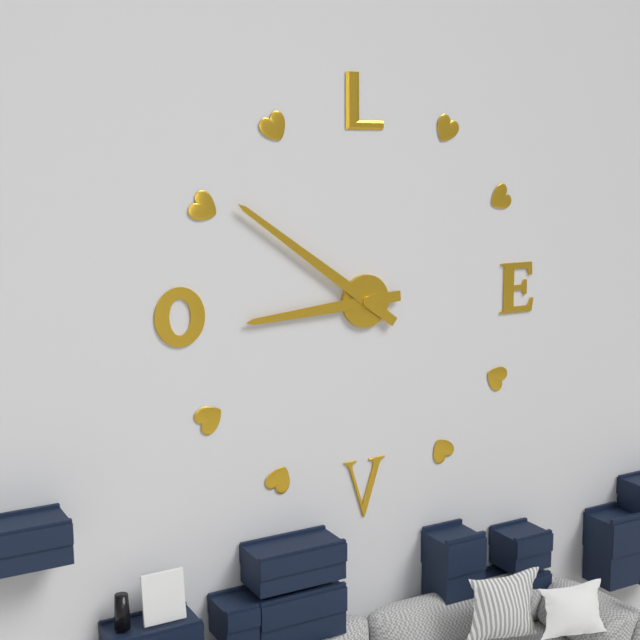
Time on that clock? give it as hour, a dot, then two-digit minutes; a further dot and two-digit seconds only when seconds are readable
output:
8.51
